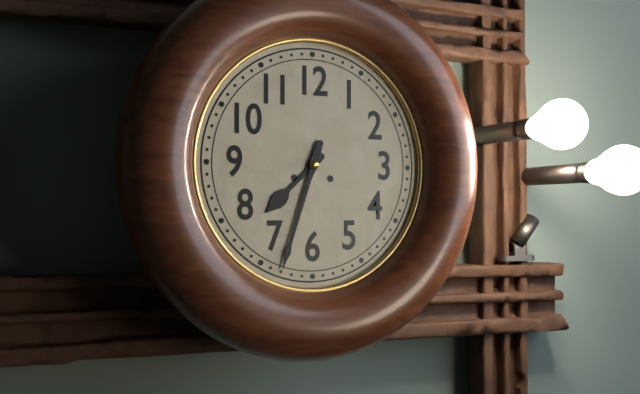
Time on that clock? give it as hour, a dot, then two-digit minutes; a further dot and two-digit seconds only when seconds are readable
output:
7.33
